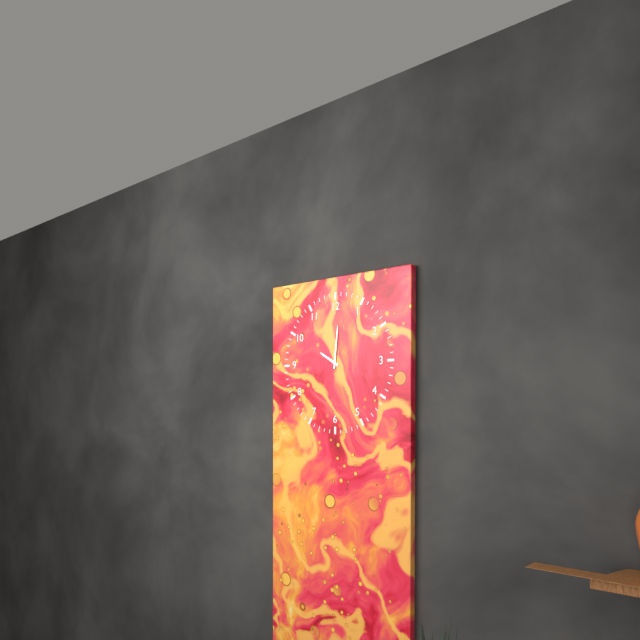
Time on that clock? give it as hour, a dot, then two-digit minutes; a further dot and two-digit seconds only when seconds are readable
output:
10.01
